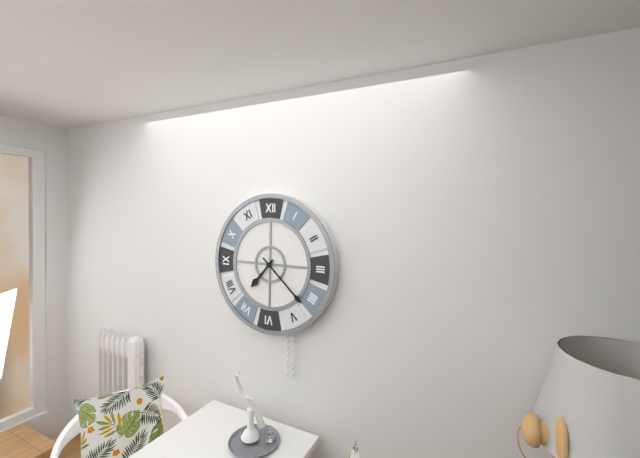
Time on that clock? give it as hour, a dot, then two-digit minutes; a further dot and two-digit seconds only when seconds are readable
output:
7.22
